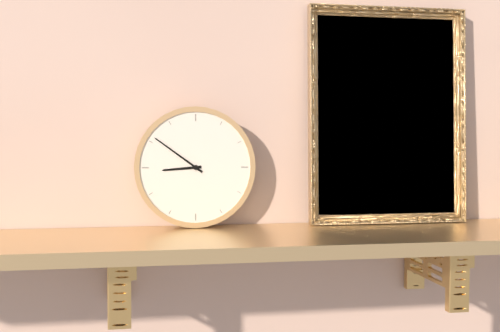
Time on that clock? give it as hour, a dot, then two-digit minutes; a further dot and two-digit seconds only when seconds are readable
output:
8.51
